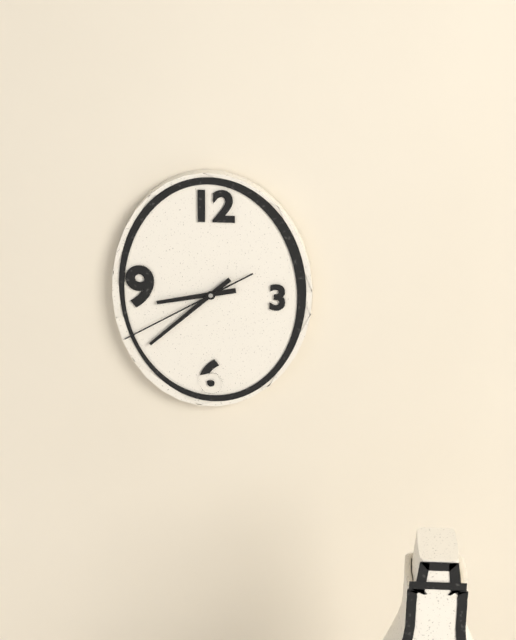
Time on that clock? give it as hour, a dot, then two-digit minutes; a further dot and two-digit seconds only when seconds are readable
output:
8.38.40
